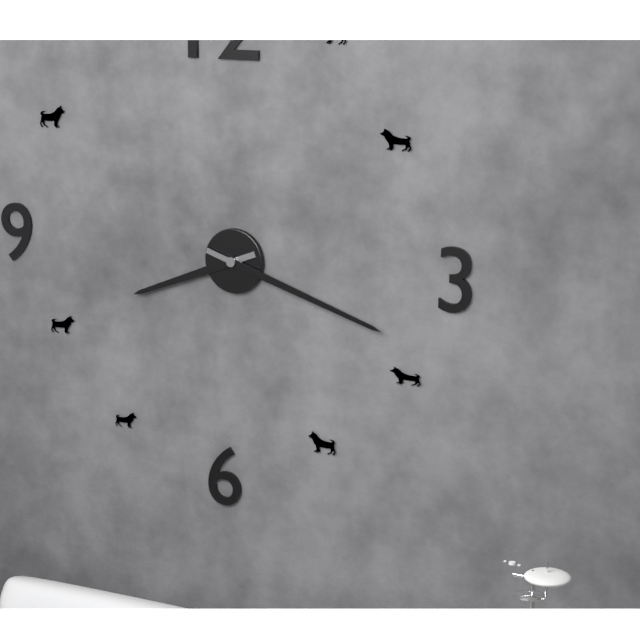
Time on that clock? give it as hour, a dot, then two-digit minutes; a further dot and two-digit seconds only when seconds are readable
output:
8.18
